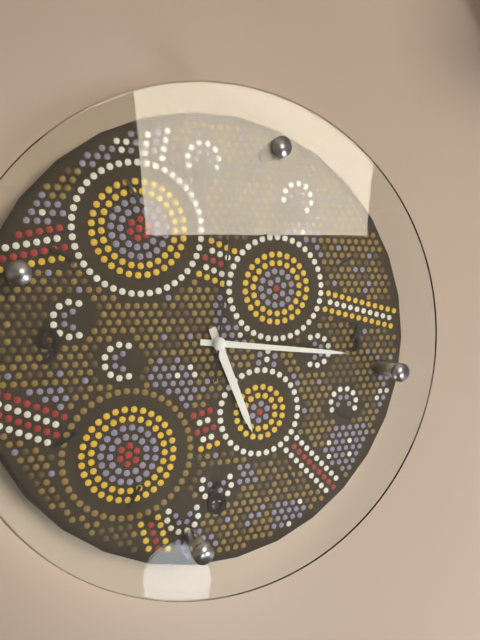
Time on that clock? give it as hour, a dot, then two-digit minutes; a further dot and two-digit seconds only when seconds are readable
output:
5.16.01
